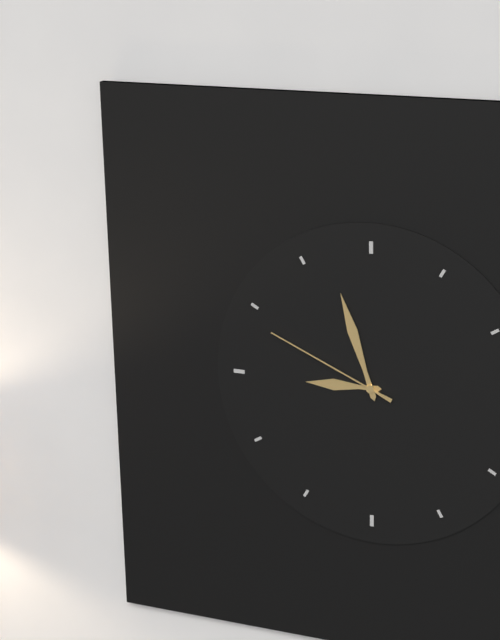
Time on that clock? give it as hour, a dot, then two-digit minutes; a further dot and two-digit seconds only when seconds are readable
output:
8.57.49
